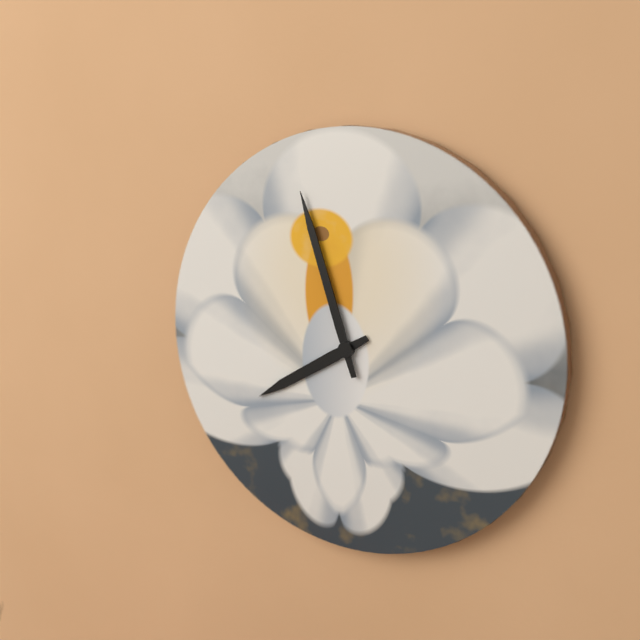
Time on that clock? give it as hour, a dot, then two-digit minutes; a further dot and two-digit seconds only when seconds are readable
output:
7.57
